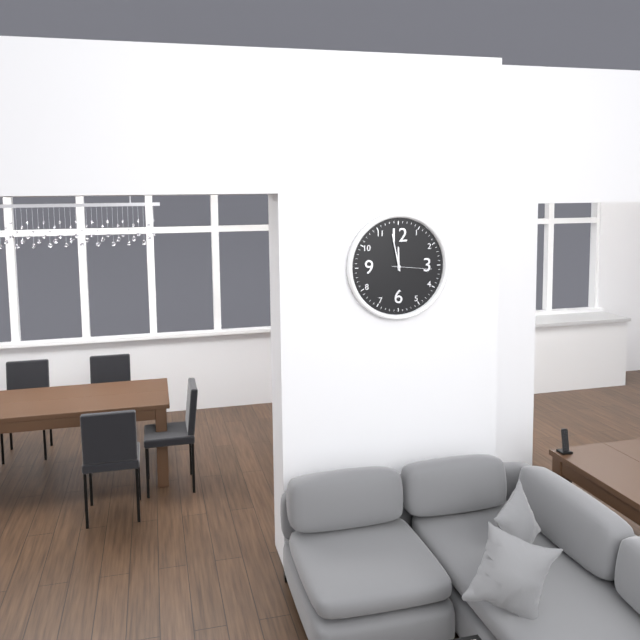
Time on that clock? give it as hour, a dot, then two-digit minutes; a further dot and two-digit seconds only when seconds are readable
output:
11.58
